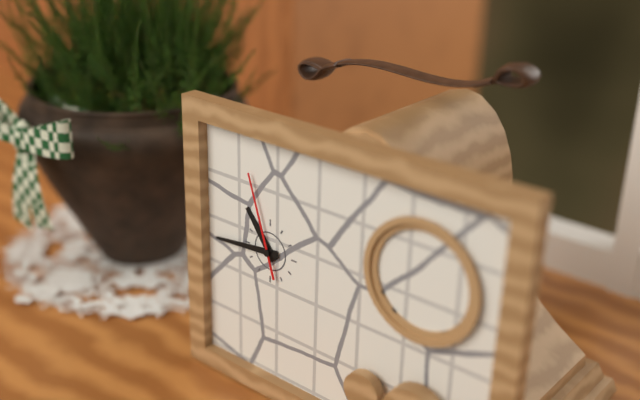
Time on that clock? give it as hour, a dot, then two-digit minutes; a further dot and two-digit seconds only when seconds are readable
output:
10.44.57
